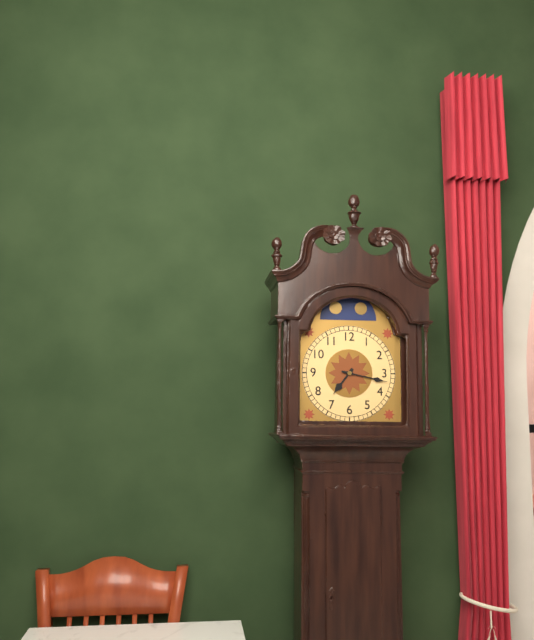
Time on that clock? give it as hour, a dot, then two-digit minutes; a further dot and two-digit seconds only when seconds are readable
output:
7.17
